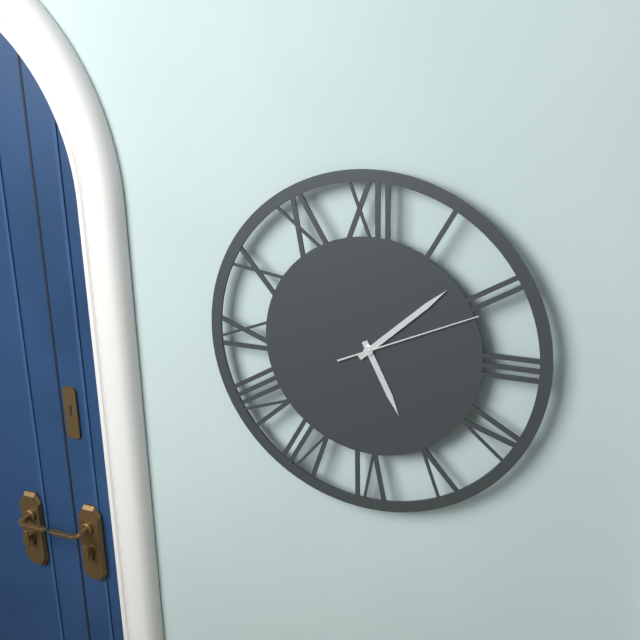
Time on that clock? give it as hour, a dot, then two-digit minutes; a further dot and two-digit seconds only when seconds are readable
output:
5.08.11
